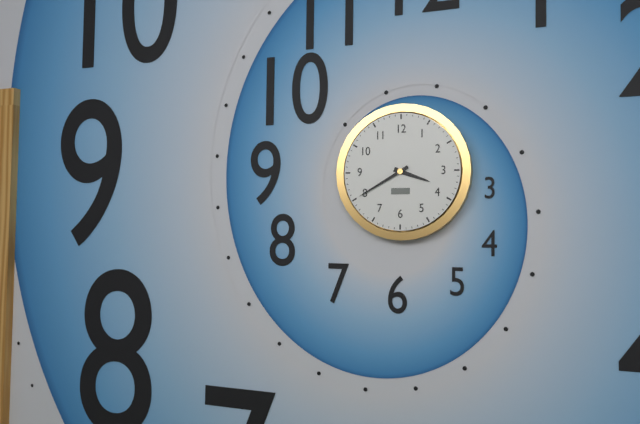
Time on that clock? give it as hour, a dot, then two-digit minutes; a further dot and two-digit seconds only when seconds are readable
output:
3.40
